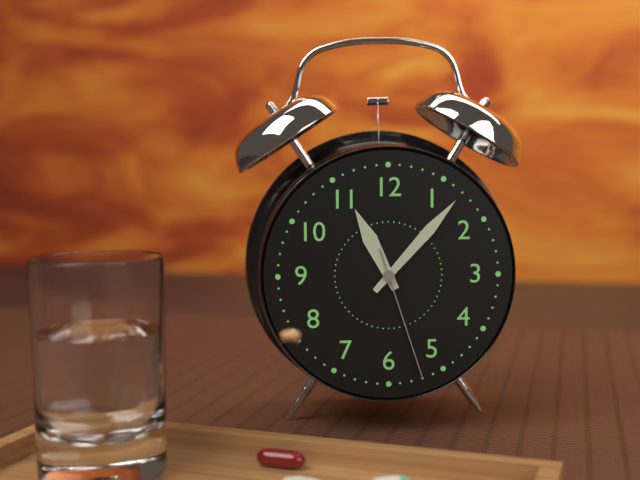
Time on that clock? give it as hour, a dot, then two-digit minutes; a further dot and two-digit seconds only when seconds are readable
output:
11.07.27
